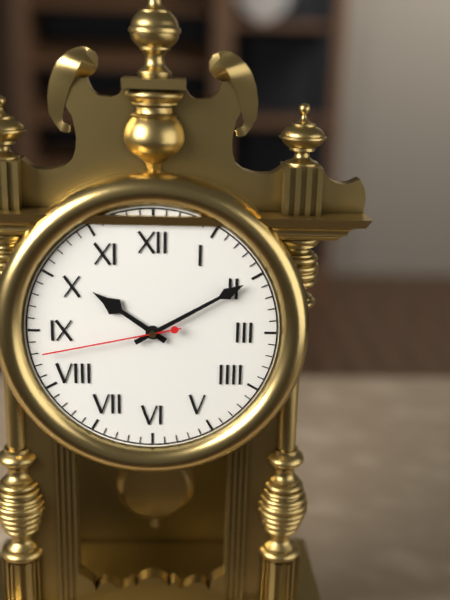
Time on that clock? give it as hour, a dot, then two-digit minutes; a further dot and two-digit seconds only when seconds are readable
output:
10.10.43
